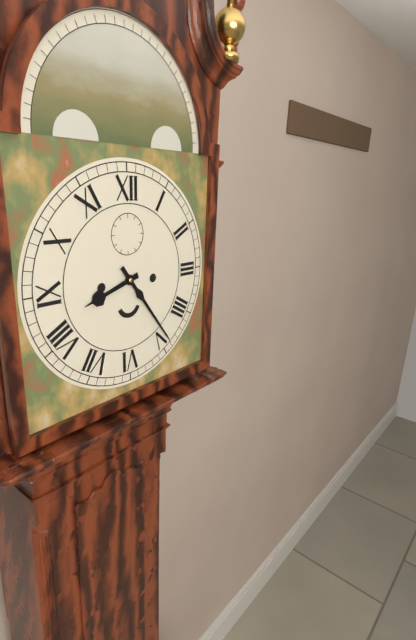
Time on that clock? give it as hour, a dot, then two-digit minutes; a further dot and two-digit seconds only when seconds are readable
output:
8.24
